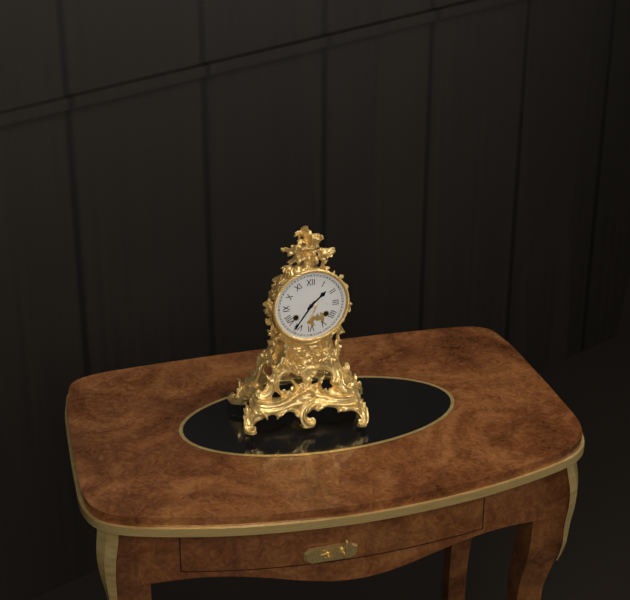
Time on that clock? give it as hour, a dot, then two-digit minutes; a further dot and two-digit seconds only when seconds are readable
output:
1.36
